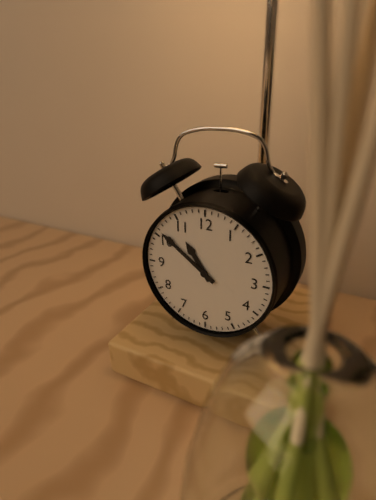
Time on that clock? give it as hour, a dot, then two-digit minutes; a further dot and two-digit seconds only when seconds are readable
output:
10.51
